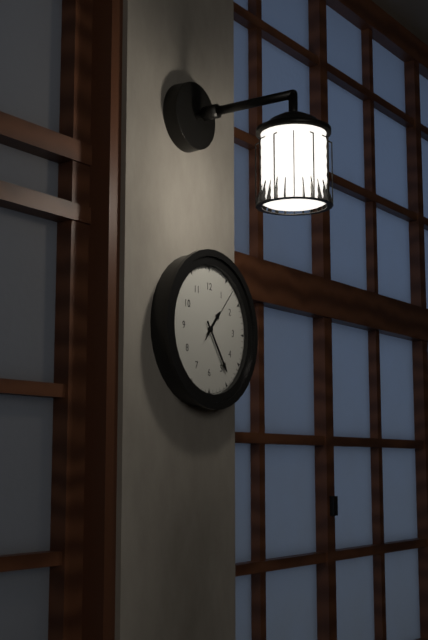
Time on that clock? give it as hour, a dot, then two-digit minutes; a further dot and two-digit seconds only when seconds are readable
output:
1.24.07
